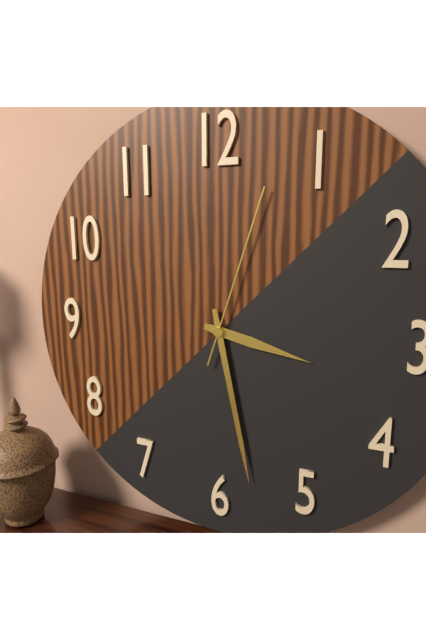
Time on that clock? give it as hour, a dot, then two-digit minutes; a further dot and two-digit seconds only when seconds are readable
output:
3.28.03
